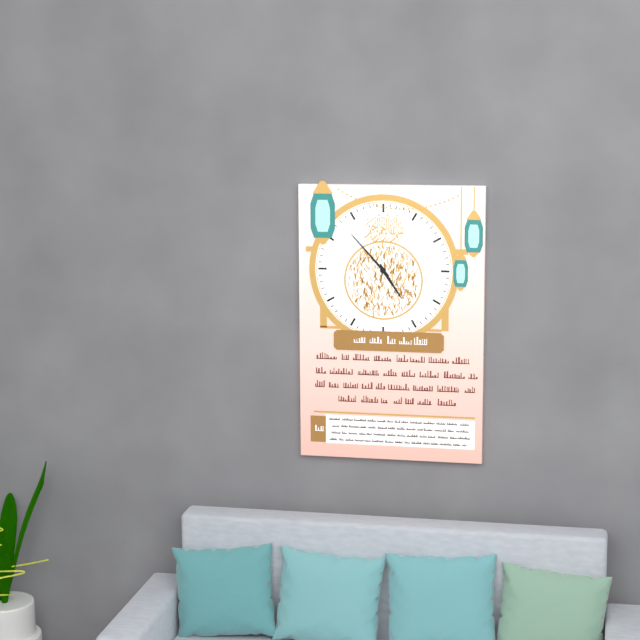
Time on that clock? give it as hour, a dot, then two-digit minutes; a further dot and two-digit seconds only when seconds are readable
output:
4.53
